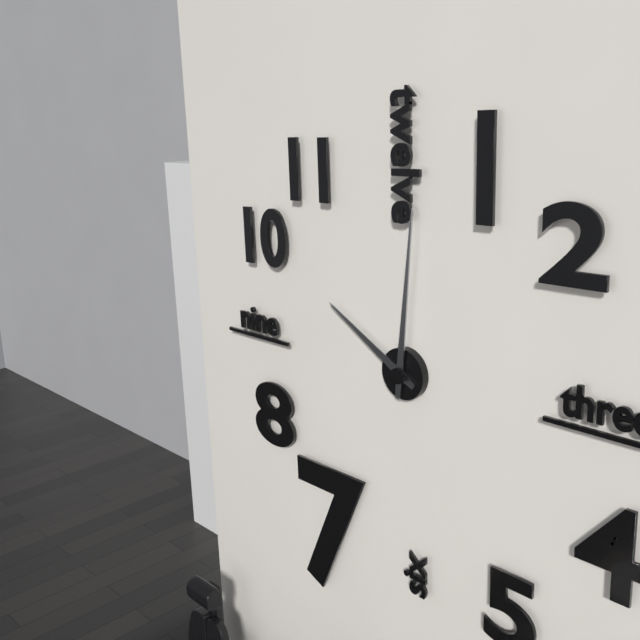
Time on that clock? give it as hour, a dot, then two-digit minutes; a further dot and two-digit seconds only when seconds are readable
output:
10.01
